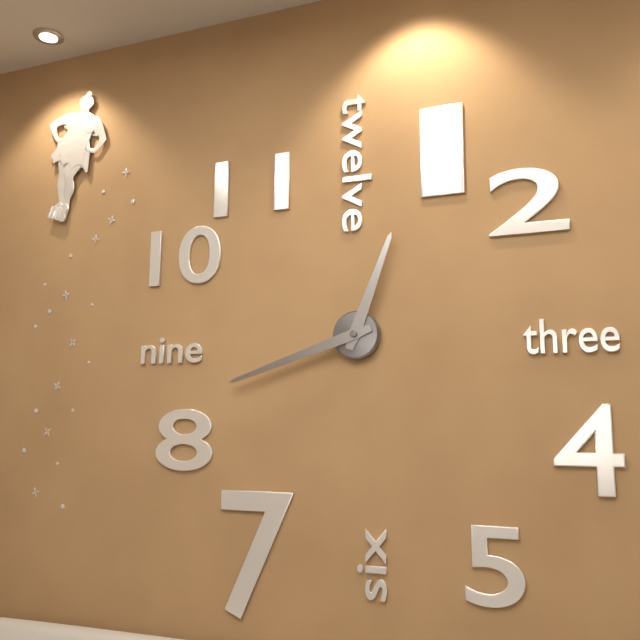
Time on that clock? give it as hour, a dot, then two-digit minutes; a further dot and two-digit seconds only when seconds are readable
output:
12.42
